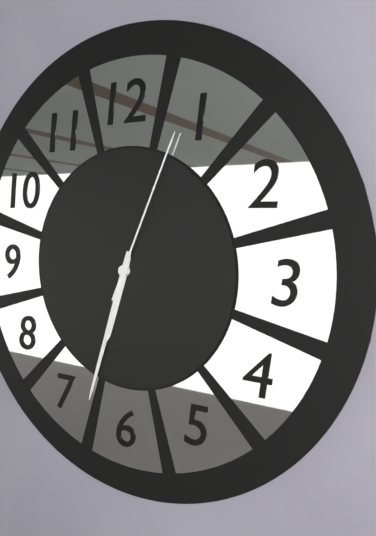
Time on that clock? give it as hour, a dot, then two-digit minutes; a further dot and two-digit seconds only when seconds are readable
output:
6.33.04
